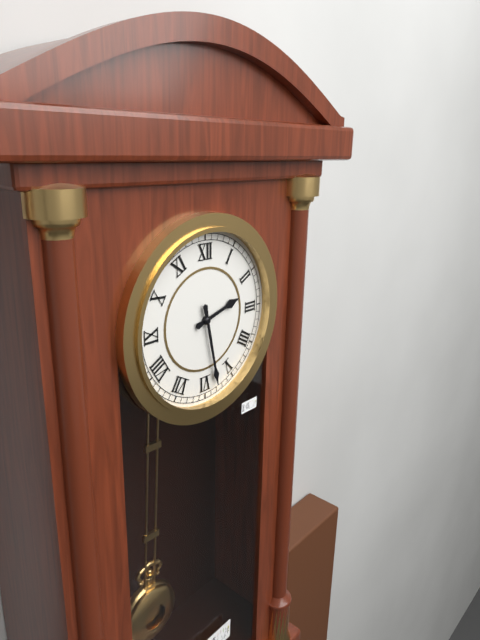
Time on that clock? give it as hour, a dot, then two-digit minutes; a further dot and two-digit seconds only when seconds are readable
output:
2.28
